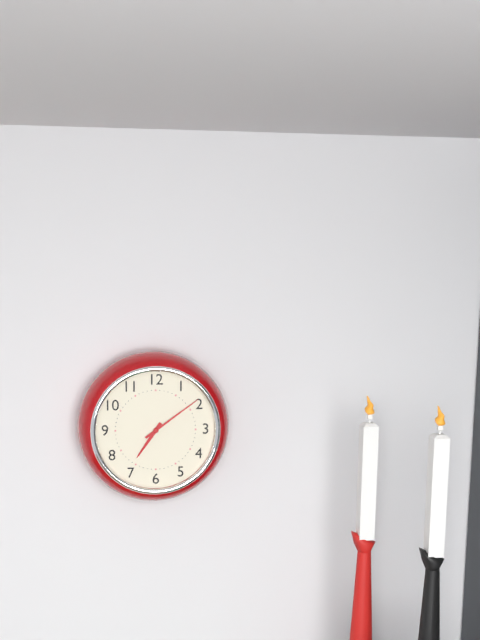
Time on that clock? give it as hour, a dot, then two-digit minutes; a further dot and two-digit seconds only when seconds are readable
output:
7.09
